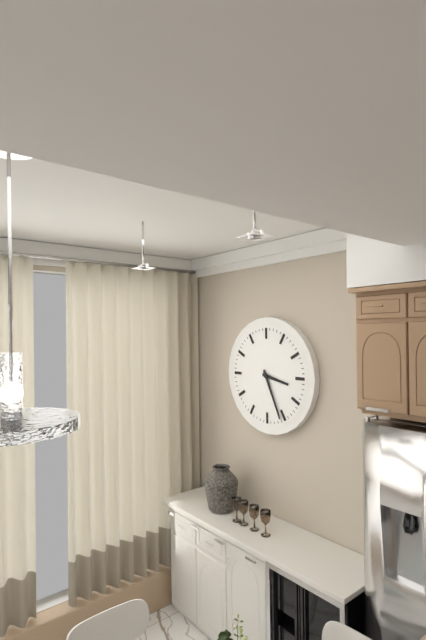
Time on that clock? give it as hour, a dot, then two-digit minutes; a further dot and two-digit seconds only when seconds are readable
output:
3.26
